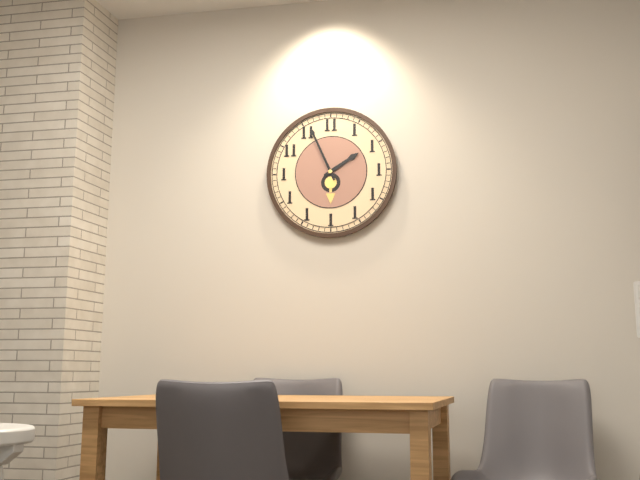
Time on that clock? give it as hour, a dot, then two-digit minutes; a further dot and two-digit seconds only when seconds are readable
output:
1.56
